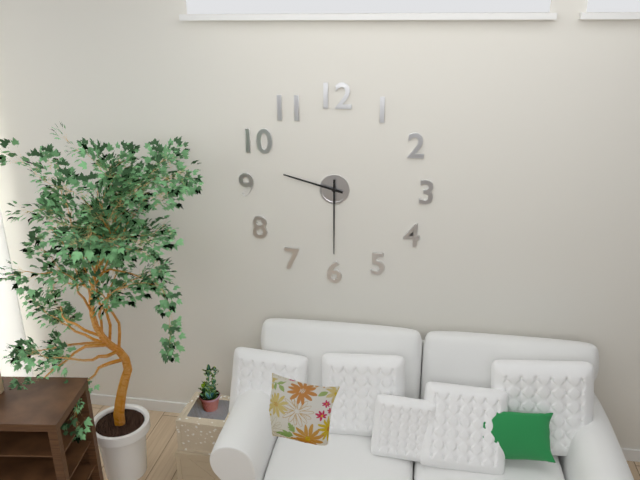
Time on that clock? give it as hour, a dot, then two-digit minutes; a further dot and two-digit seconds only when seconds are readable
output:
9.30
